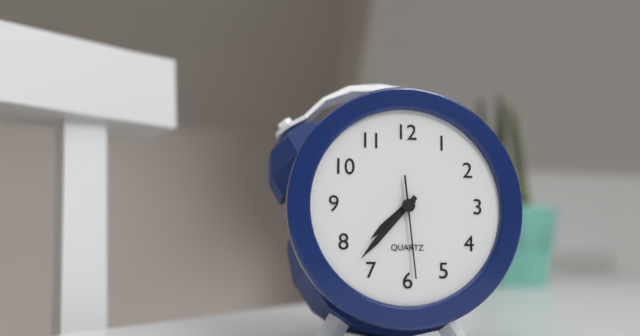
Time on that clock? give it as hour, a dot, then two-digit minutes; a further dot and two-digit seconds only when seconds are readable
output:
7.37.29
